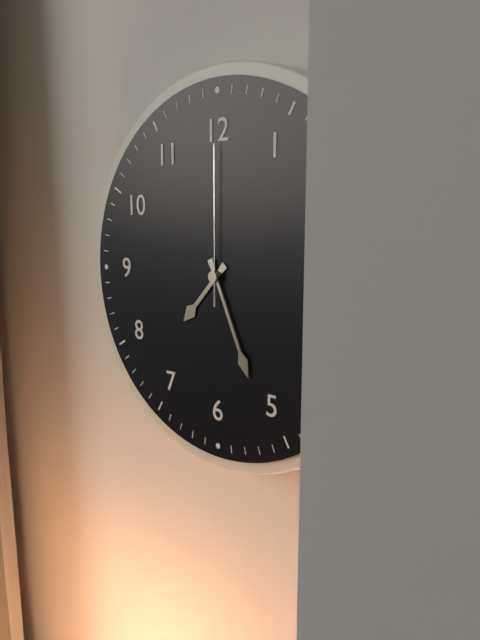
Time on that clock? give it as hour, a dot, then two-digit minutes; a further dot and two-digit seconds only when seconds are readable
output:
7.26.00
